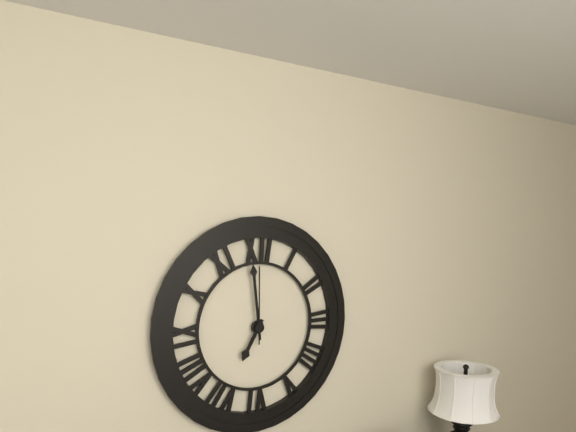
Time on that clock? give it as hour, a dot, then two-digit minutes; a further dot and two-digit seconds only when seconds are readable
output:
6.59.00
